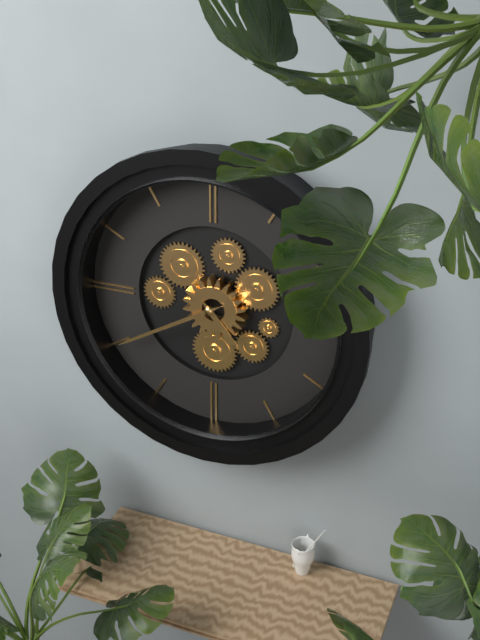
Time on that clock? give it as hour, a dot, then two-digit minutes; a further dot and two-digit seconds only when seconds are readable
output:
4.40
